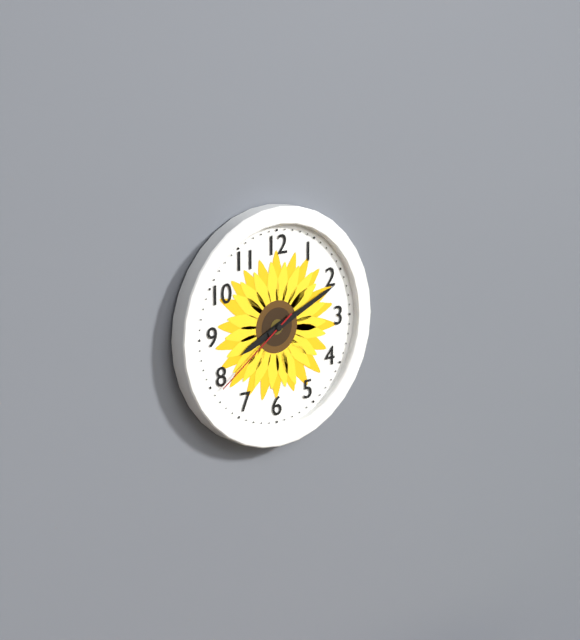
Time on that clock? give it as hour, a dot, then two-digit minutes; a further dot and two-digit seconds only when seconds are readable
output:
8.11.39
